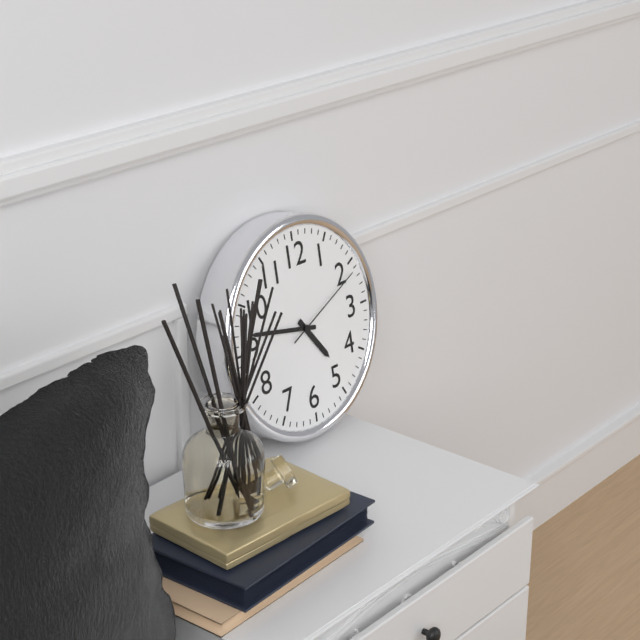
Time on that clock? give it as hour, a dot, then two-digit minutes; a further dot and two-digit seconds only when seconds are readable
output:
4.47.11
